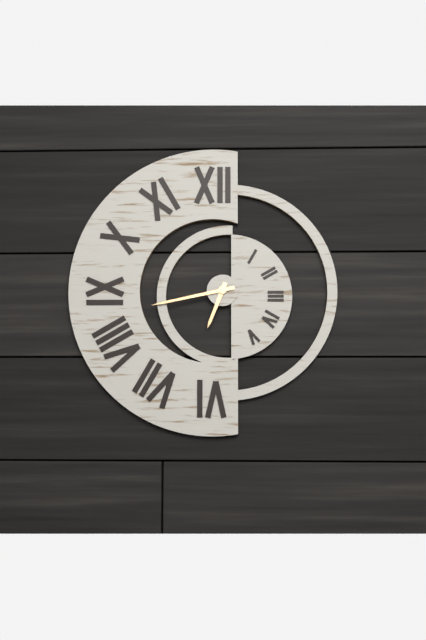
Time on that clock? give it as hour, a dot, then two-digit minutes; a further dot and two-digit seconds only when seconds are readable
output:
6.43
